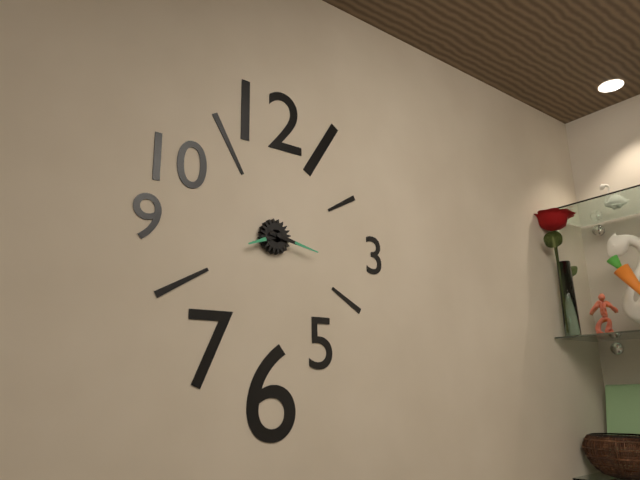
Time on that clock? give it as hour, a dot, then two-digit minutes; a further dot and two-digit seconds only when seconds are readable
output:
8.17
